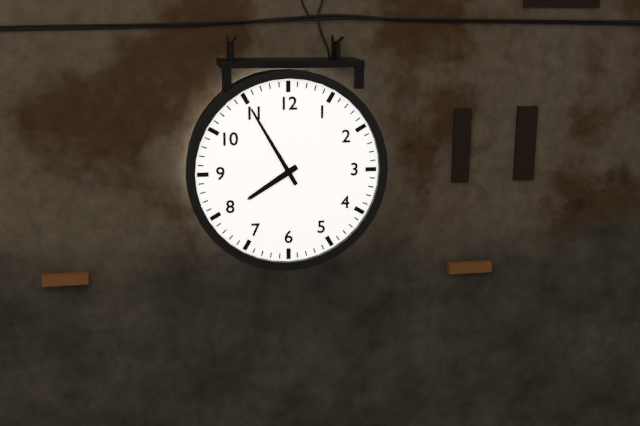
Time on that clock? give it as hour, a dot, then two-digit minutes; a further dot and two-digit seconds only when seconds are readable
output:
7.55
